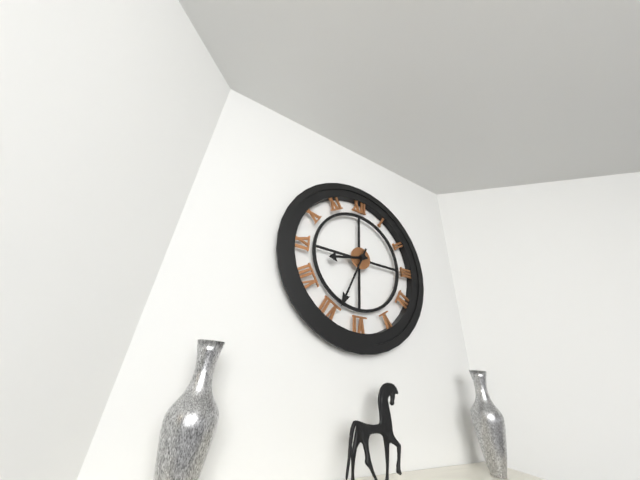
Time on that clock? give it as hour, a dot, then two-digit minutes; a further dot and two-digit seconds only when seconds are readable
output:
8.34
